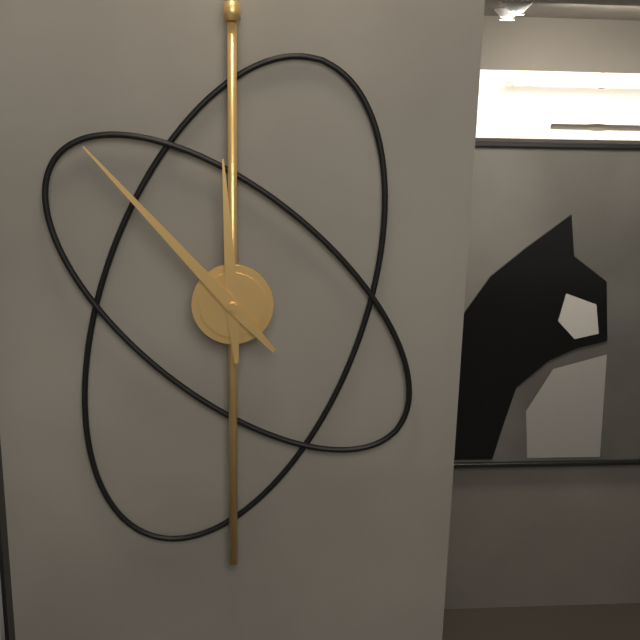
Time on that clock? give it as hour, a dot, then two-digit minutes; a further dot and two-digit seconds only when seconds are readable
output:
11.53
